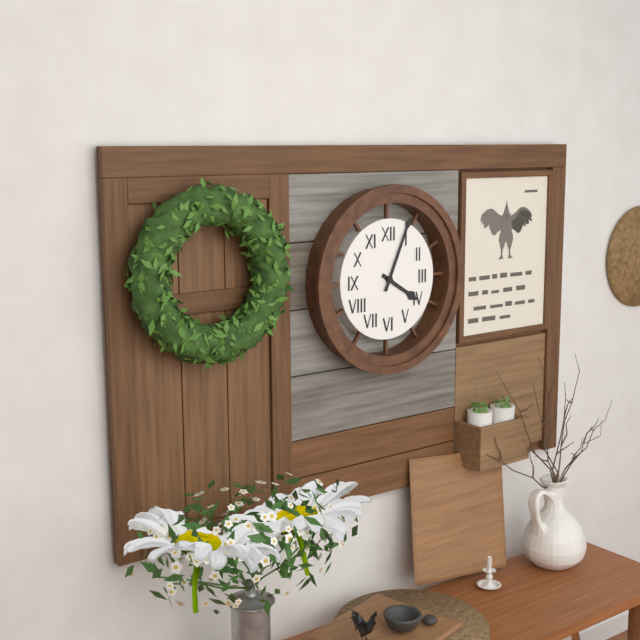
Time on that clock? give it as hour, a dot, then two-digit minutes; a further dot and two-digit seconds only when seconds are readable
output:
4.04
